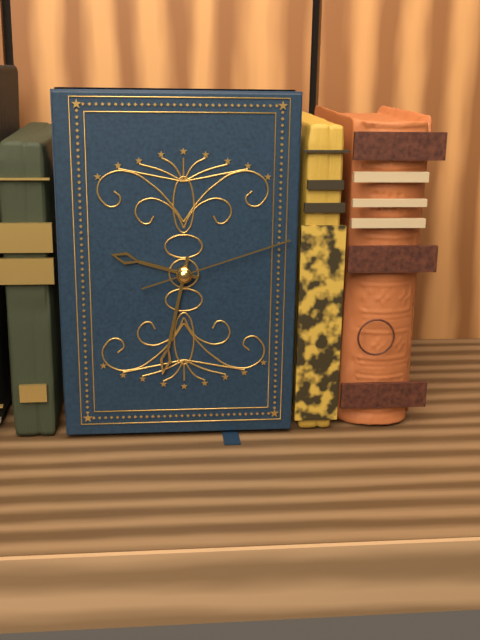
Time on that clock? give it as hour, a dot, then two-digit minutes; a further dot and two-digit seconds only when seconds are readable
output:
9.32.12
